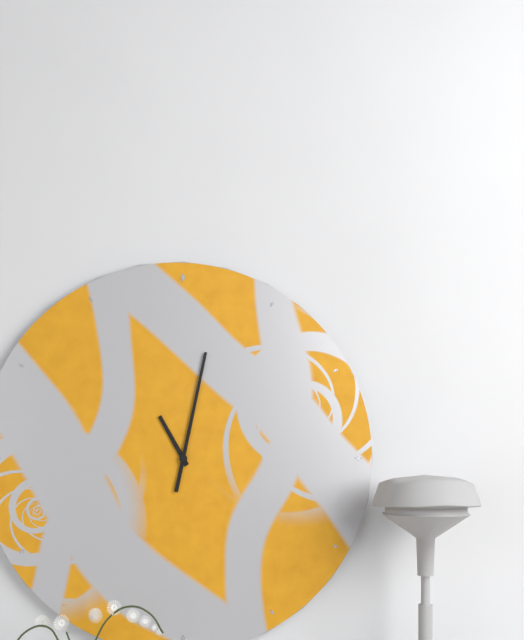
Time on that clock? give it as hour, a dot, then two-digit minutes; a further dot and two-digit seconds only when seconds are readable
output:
11.02
